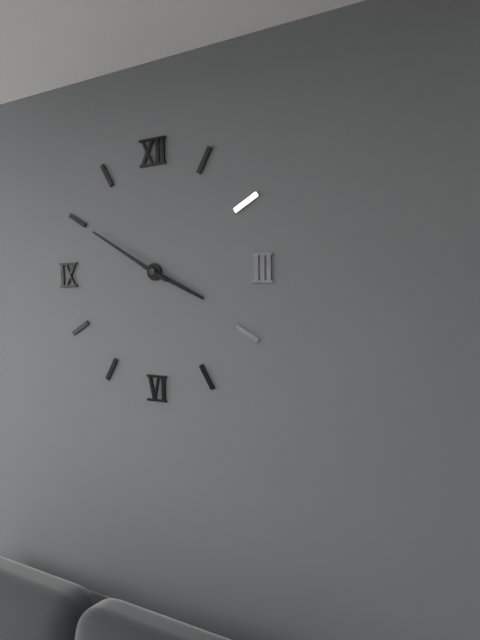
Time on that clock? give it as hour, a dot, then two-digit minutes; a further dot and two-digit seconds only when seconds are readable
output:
3.50
